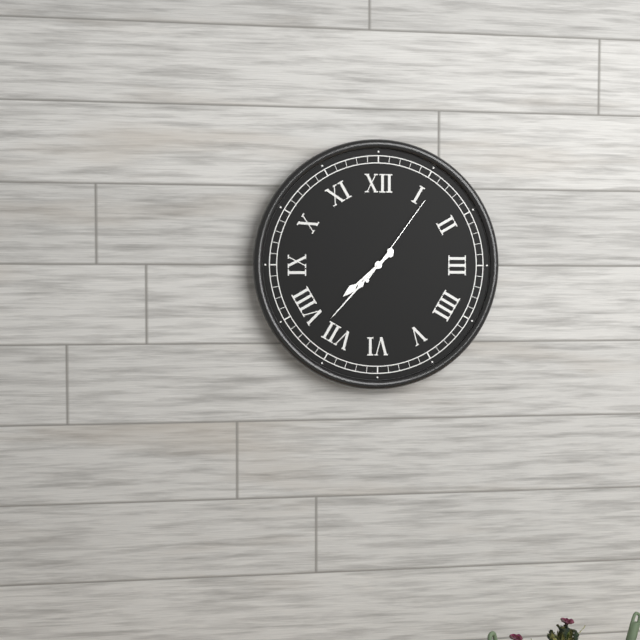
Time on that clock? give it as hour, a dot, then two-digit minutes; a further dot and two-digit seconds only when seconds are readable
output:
7.37.06
